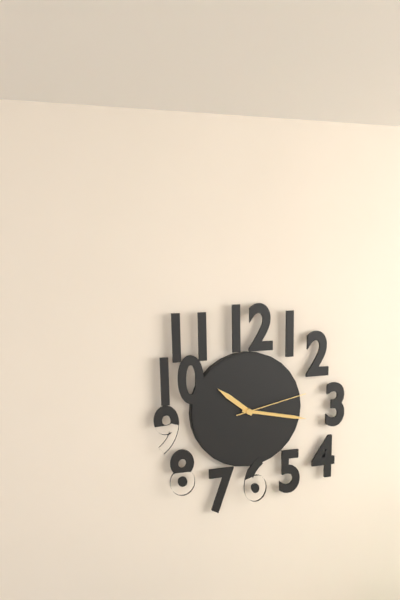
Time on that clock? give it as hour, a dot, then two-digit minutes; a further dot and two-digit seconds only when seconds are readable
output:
10.17.13
